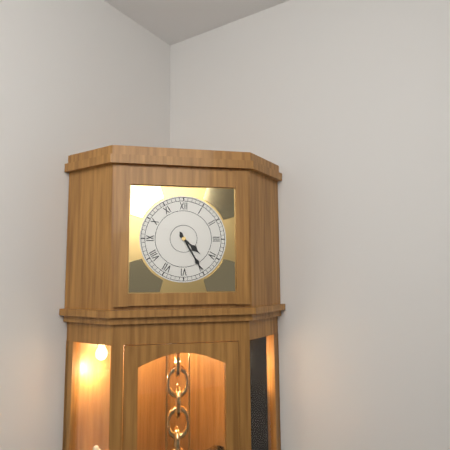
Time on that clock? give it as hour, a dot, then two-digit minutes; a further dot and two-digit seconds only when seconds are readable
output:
4.25
